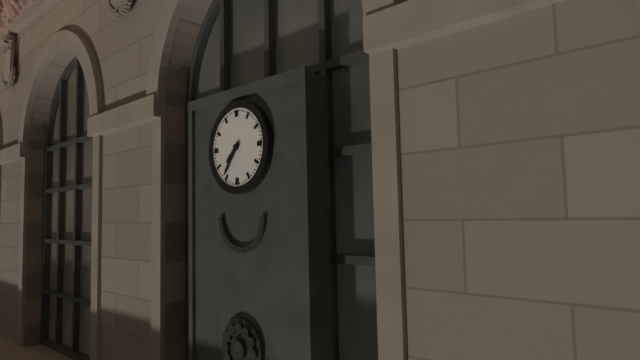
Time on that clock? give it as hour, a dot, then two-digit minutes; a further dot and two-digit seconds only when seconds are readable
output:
7.36
